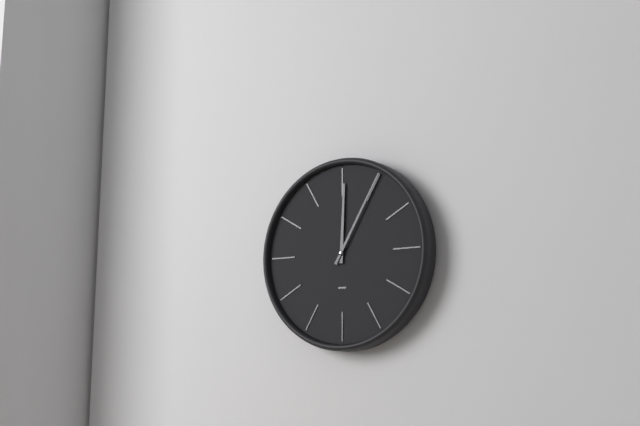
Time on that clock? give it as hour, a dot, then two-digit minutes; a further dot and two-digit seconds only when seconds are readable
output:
12.05
